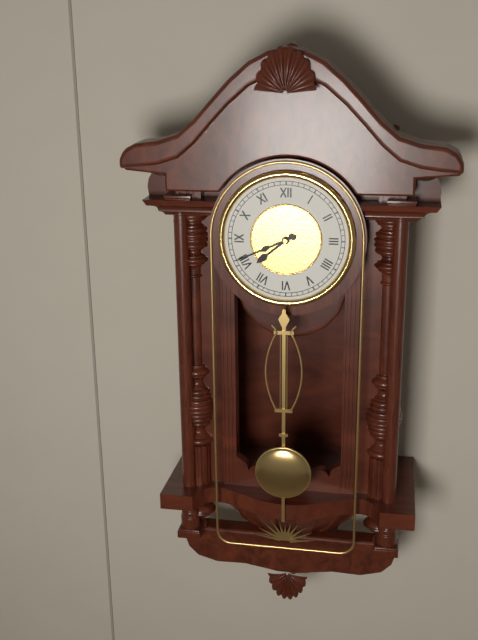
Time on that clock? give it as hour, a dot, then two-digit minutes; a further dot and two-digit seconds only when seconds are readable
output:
7.41
